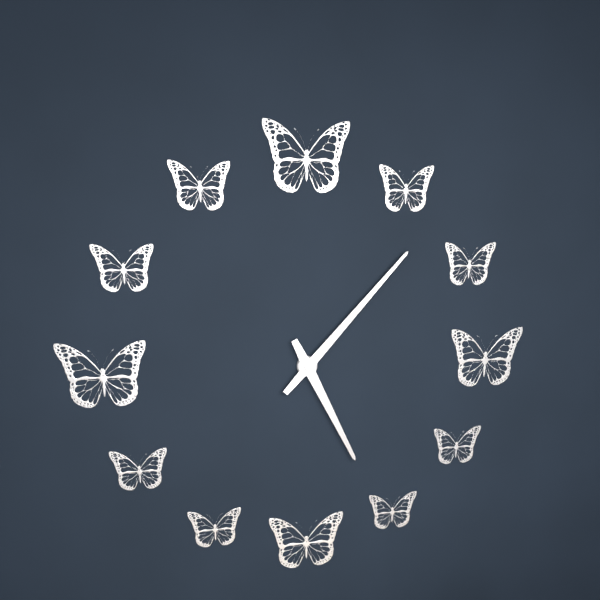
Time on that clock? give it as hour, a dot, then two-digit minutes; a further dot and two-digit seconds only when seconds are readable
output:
5.07
